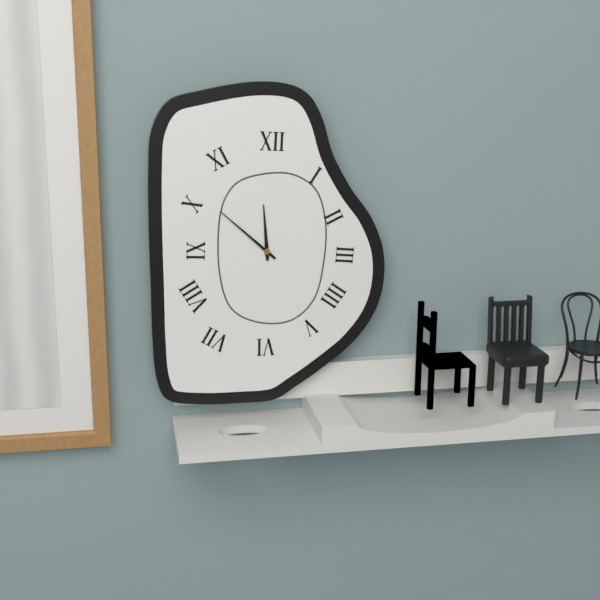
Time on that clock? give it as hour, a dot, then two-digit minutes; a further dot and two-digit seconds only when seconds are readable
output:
11.52
